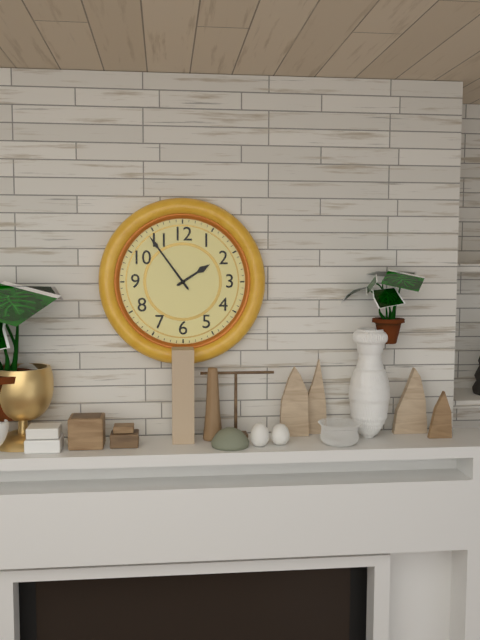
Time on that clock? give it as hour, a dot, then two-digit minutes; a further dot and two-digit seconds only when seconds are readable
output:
1.54
